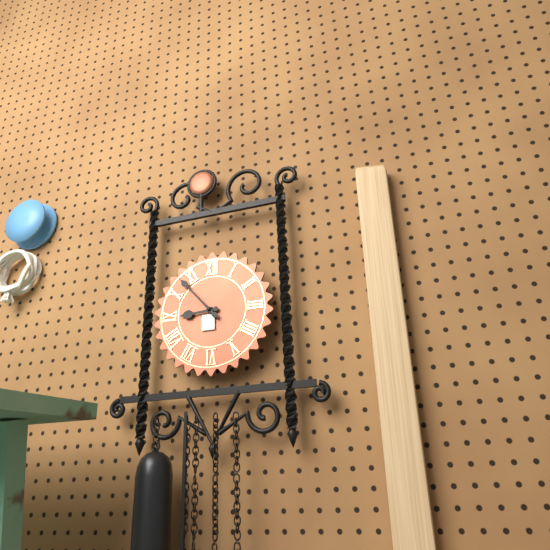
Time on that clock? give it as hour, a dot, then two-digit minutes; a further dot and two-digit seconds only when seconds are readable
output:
8.53
